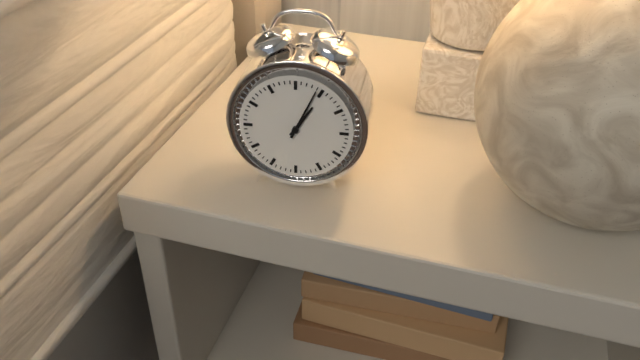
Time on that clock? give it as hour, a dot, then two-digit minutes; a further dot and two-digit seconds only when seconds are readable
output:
1.04
